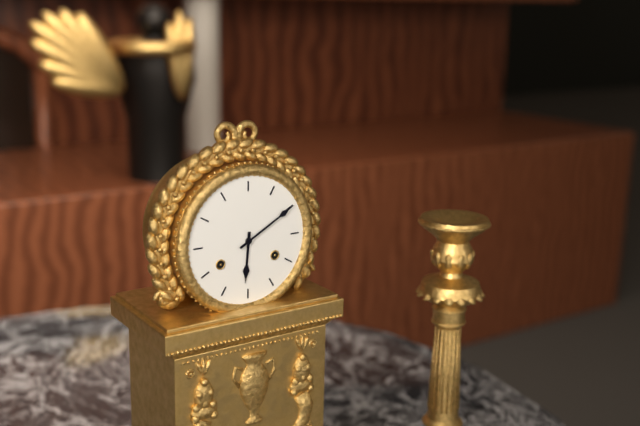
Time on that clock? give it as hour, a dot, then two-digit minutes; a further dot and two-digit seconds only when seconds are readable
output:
6.10
